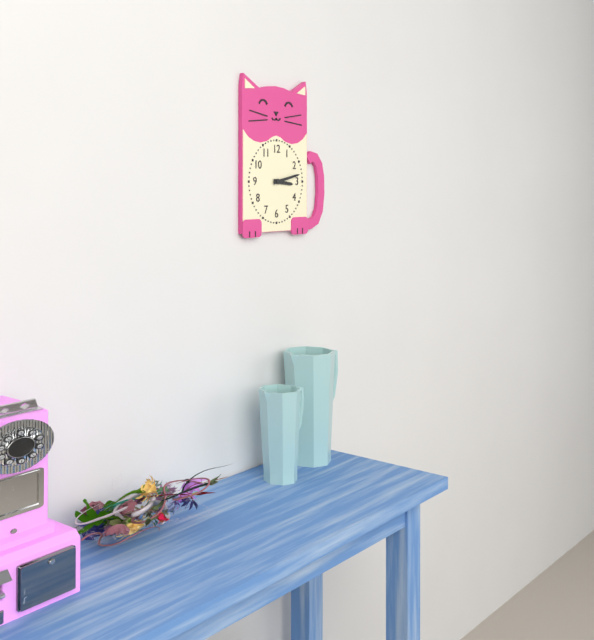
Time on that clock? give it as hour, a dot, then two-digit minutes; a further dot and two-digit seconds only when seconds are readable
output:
3.13
